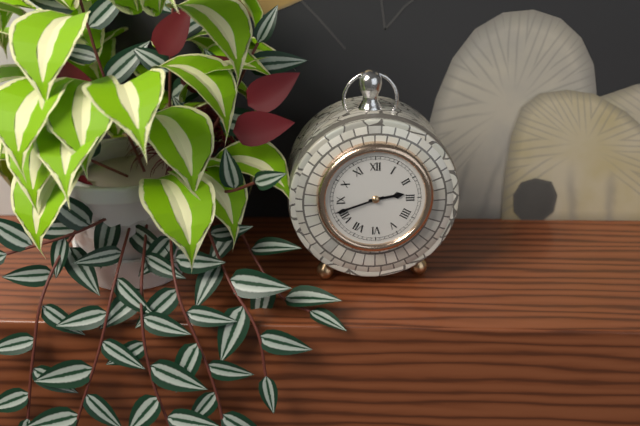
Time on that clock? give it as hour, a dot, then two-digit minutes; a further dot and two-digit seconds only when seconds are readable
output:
2.42
